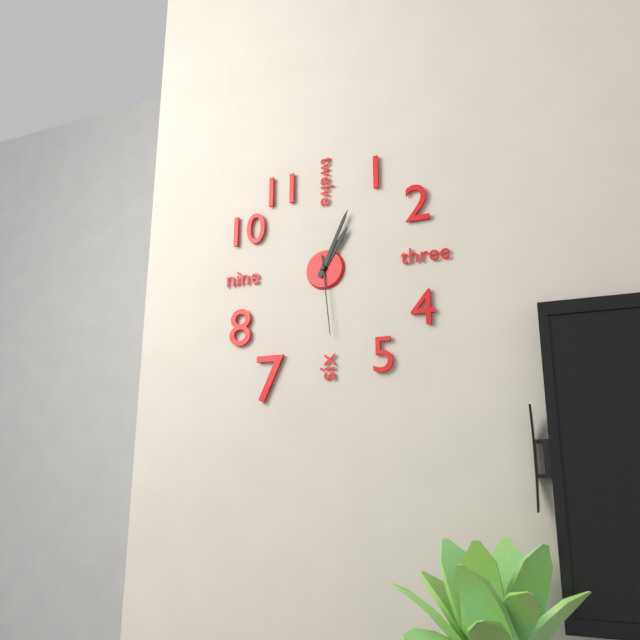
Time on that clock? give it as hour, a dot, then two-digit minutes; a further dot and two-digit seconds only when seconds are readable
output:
1.04.29
